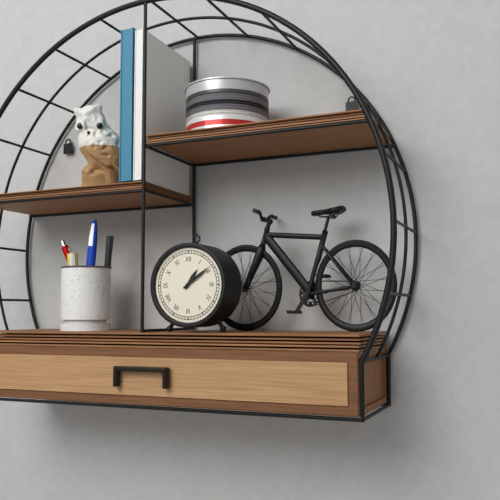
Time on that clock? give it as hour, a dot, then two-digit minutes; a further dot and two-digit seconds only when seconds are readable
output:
1.09
